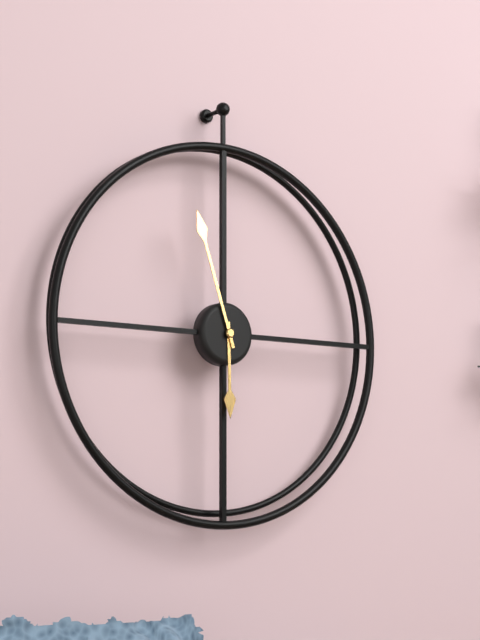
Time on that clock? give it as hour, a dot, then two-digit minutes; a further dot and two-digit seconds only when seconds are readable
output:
5.57
